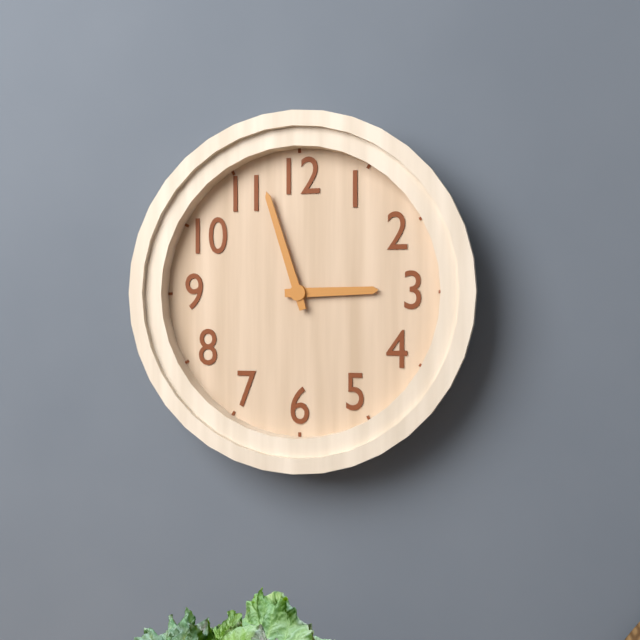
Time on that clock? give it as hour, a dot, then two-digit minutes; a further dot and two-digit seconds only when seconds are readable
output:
2.57
